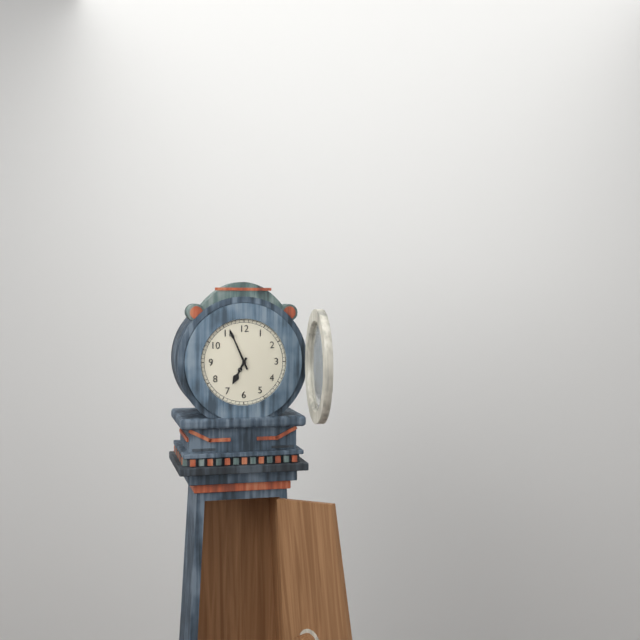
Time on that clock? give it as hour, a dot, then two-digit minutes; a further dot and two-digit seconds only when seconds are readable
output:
6.56
